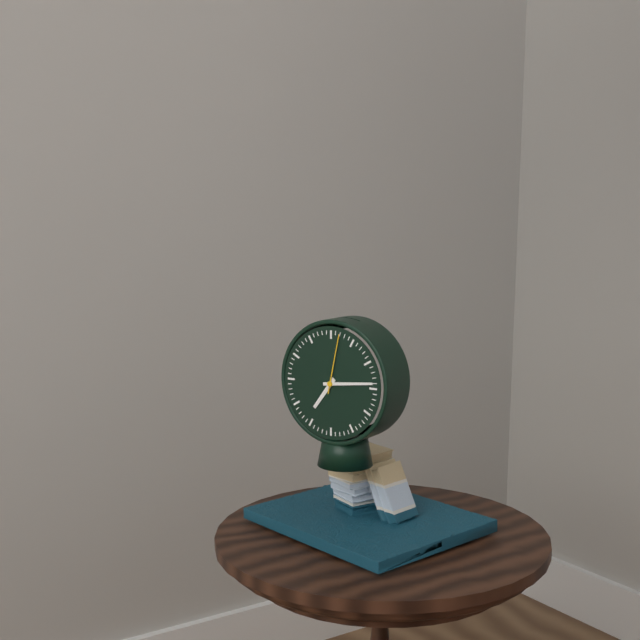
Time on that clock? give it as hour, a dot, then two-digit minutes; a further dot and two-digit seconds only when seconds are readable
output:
7.14.02
